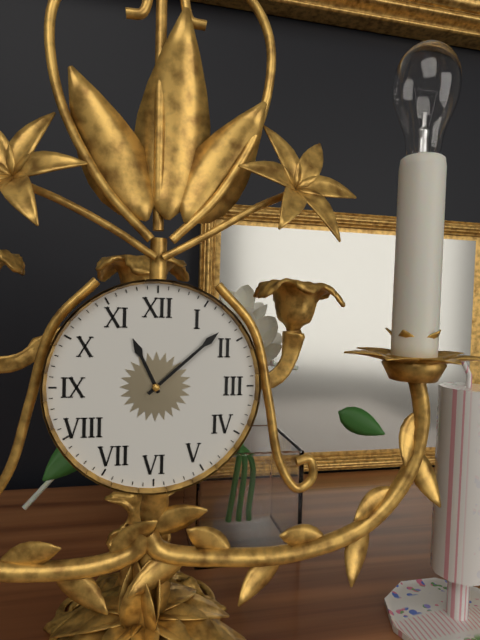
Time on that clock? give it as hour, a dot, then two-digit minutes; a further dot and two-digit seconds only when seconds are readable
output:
11.08
